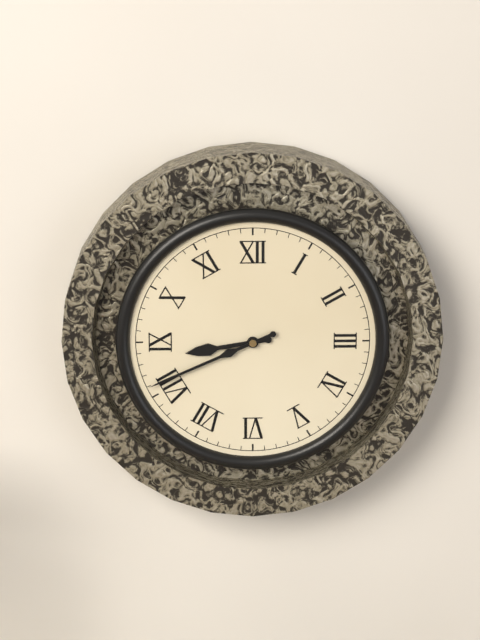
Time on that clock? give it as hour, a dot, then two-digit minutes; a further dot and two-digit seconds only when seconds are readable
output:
8.41
